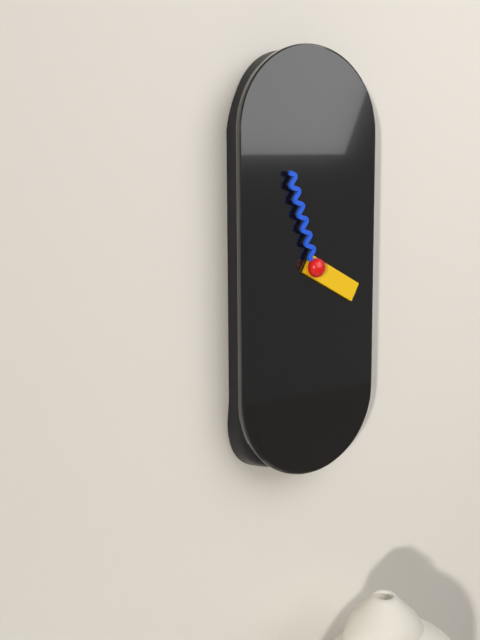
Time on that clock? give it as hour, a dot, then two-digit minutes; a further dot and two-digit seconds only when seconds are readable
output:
3.57
